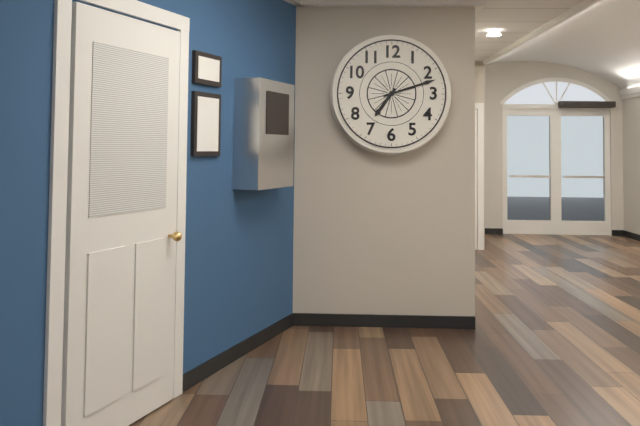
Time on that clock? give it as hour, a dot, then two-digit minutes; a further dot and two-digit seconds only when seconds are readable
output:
7.12
